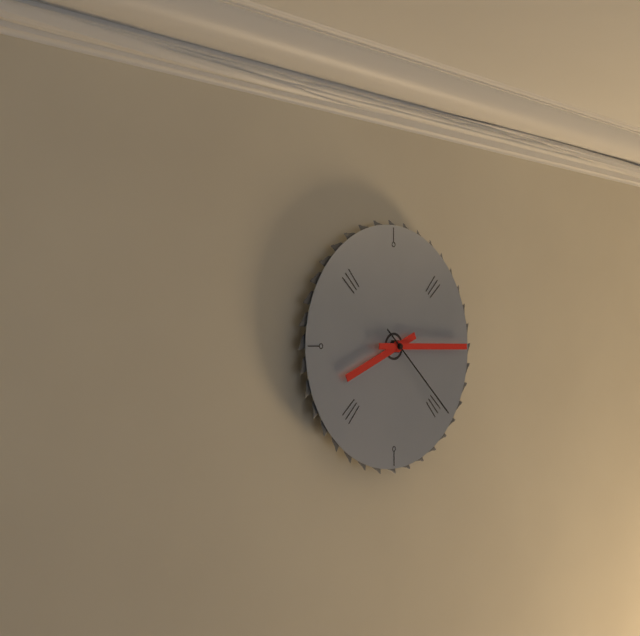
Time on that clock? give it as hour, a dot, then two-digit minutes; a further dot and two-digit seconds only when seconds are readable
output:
8.15.22
